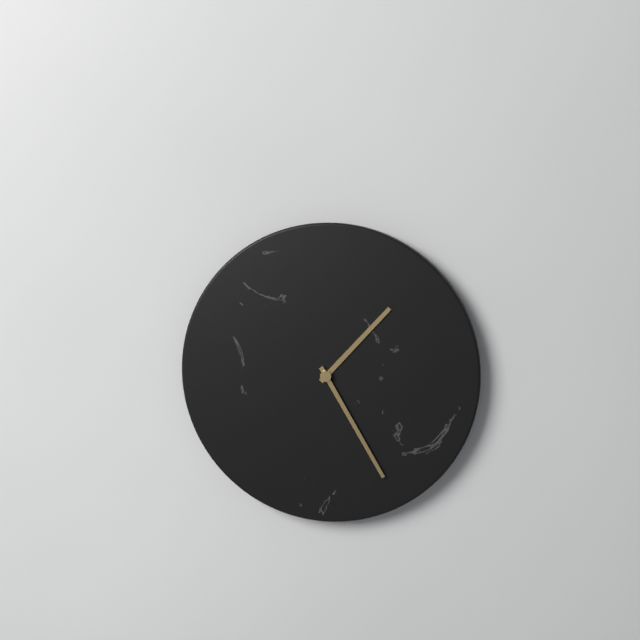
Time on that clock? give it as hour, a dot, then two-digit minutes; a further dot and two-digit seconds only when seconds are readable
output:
1.25
